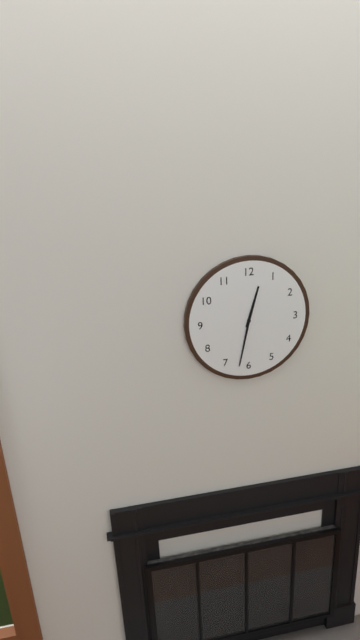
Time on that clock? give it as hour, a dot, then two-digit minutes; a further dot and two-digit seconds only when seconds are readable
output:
12.32
